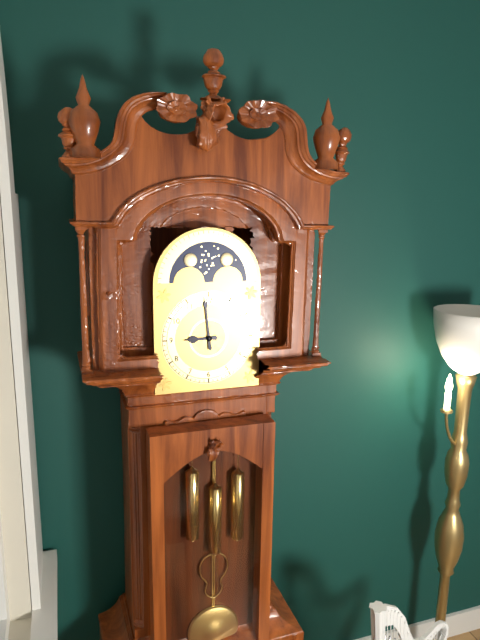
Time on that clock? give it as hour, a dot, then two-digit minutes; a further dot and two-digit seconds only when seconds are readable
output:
8.59
